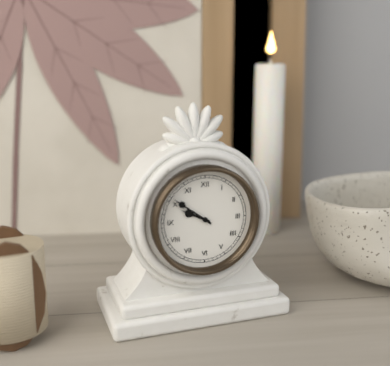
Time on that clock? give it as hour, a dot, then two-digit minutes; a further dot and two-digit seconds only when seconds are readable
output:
9.51
